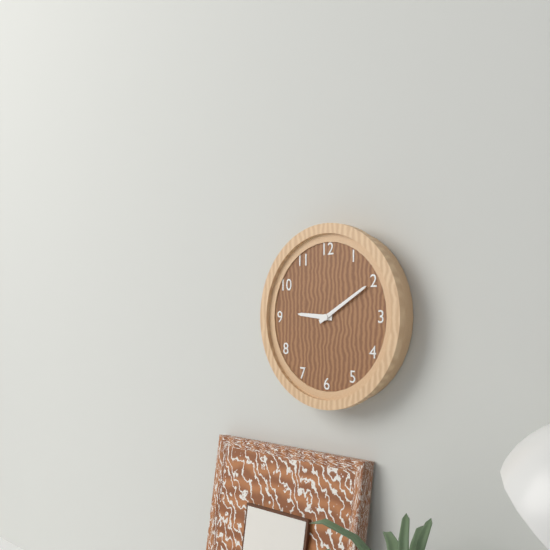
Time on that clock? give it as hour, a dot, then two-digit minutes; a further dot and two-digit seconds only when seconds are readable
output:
9.10
